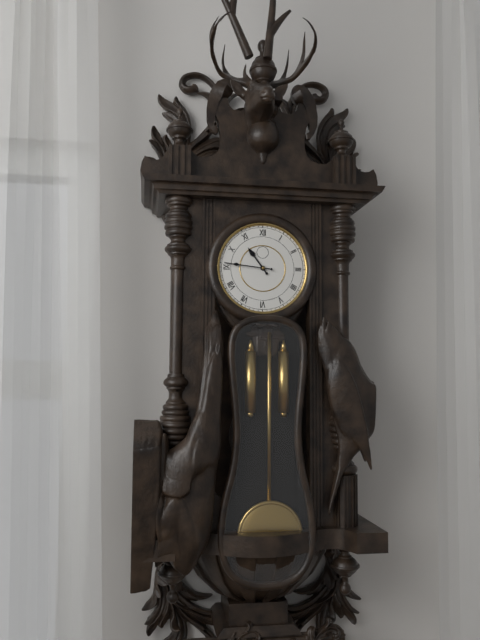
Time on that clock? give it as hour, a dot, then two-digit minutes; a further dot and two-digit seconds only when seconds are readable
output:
10.46
